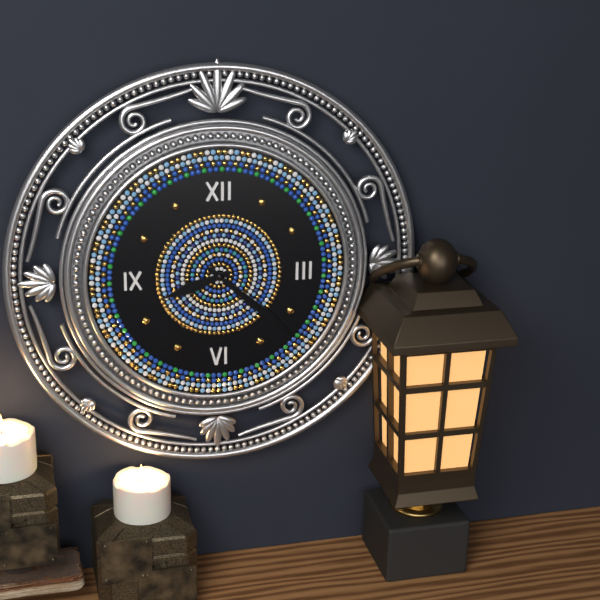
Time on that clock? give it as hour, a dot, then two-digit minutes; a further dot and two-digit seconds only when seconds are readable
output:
8.22
